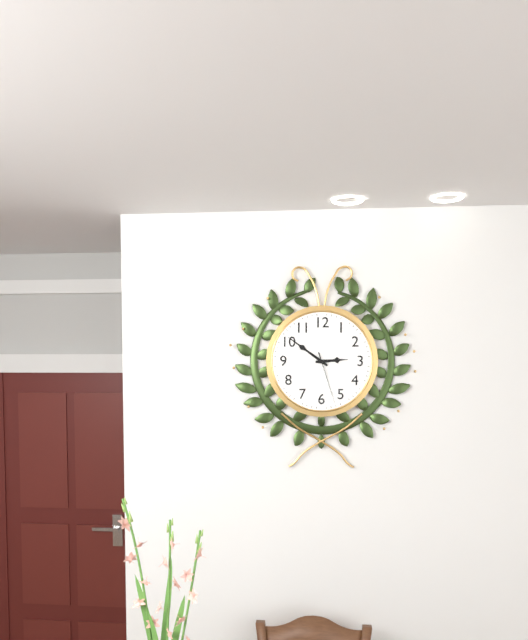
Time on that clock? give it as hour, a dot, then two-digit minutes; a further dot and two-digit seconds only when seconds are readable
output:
2.51.27
